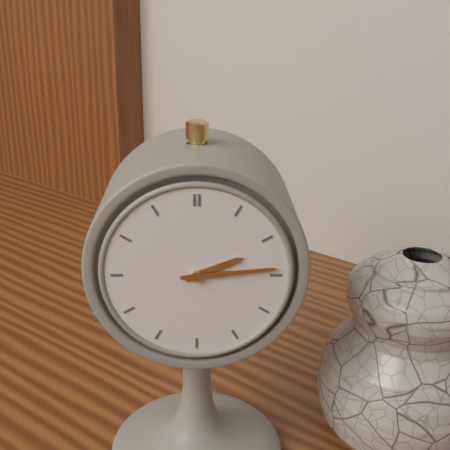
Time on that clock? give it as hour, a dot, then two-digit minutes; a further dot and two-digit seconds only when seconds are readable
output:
2.14
